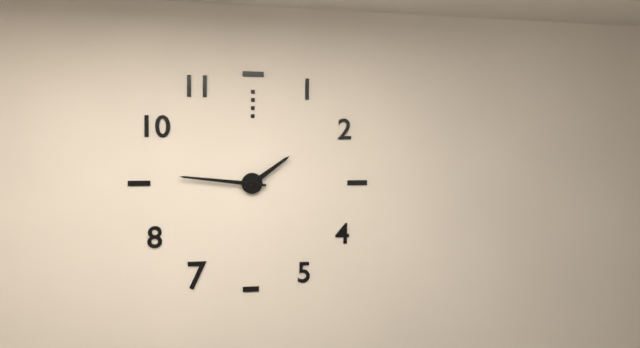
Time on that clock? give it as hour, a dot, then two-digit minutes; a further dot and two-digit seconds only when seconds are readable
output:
1.46
